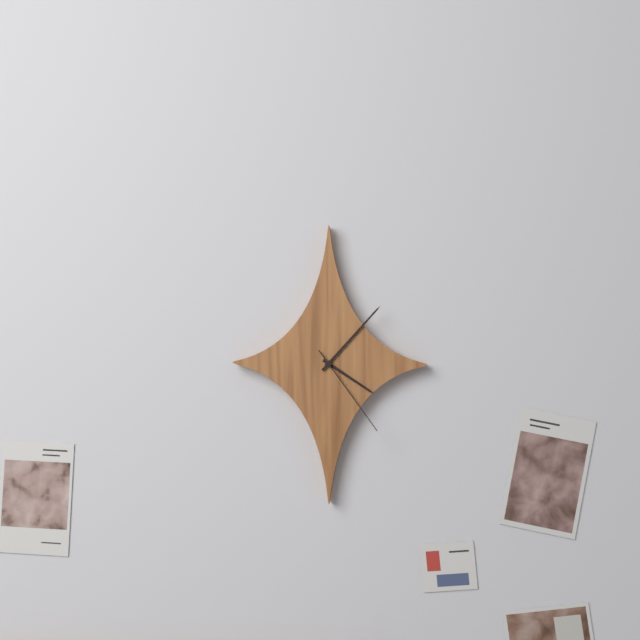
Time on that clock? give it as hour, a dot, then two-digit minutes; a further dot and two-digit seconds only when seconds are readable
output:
4.07.24
